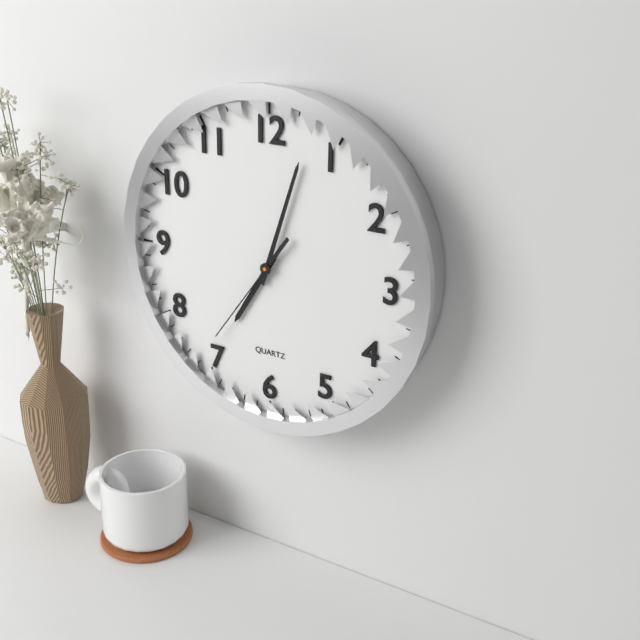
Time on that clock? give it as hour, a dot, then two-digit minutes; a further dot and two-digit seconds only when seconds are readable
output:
7.03.36
